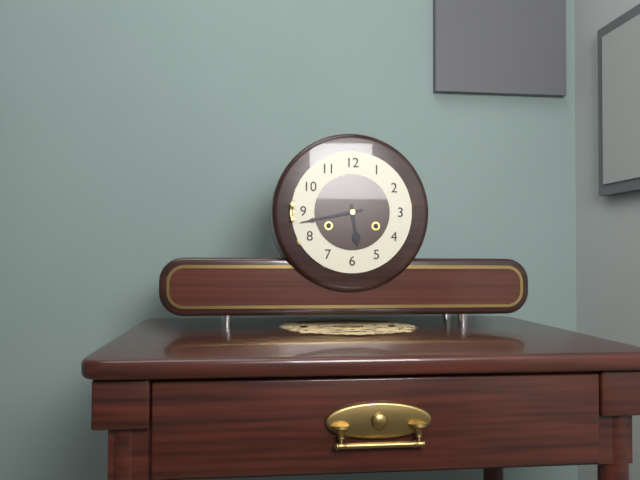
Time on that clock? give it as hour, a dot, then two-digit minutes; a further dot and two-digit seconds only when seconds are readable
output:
5.43
